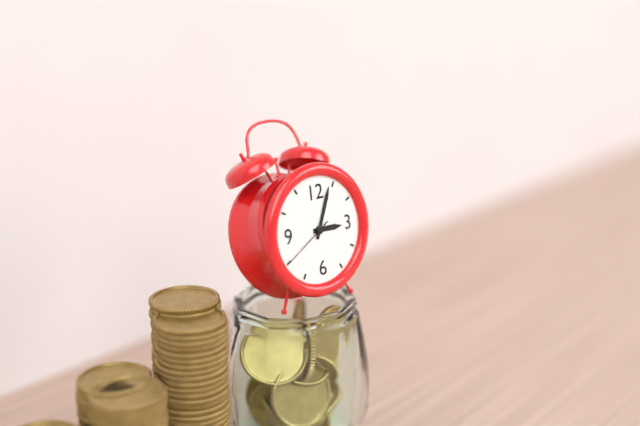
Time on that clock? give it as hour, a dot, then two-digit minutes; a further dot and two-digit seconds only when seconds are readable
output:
3.04.40
